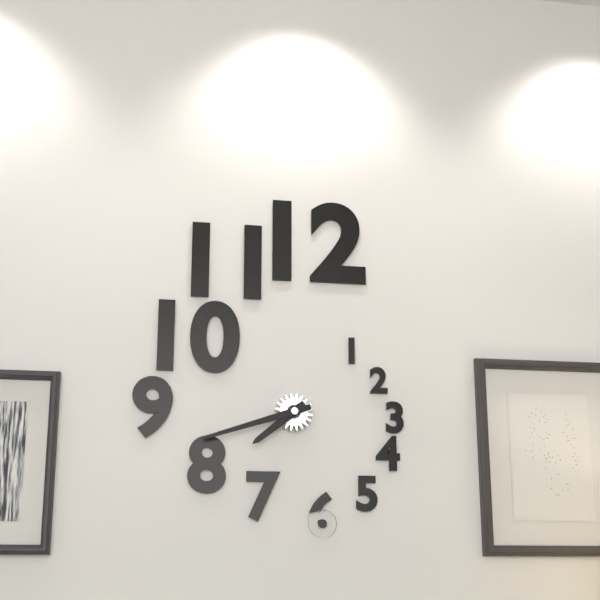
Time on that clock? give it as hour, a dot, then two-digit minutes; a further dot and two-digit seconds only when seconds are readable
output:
7.42
